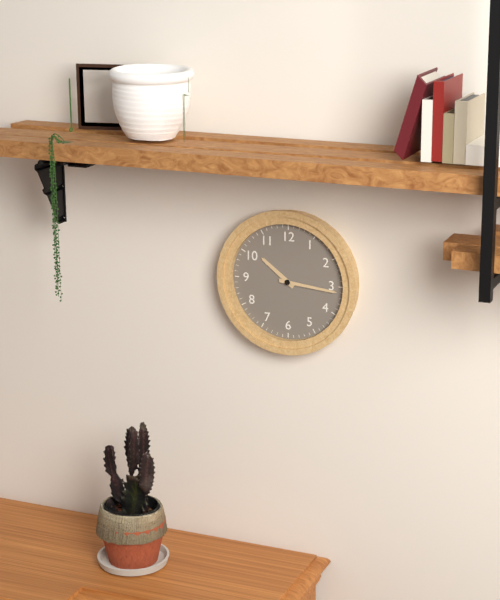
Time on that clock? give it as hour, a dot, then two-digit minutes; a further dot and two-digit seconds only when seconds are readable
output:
10.16
